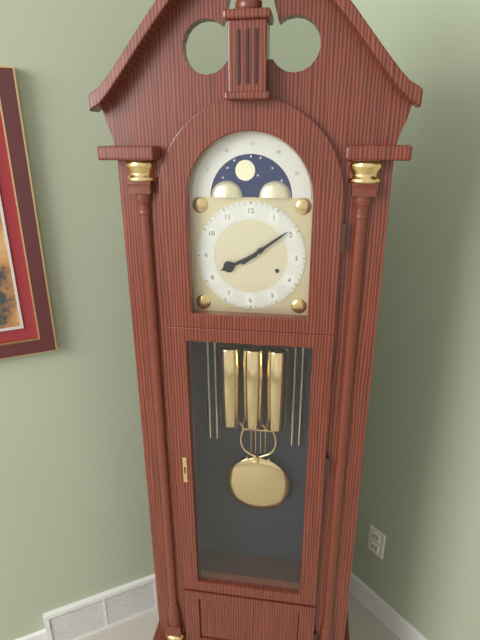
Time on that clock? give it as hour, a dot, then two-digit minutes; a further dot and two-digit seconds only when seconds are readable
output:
8.09
